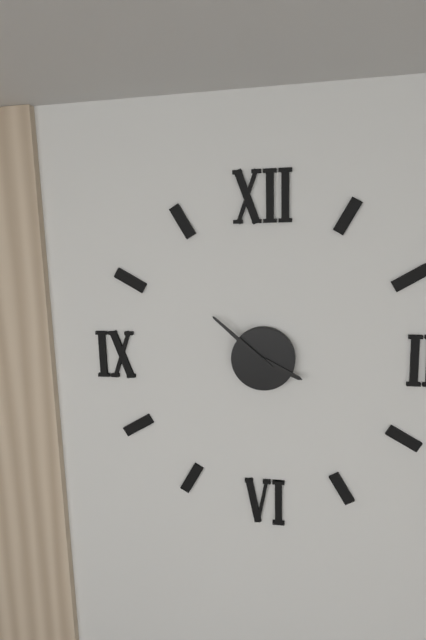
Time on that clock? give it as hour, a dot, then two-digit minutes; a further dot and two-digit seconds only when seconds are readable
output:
3.52
